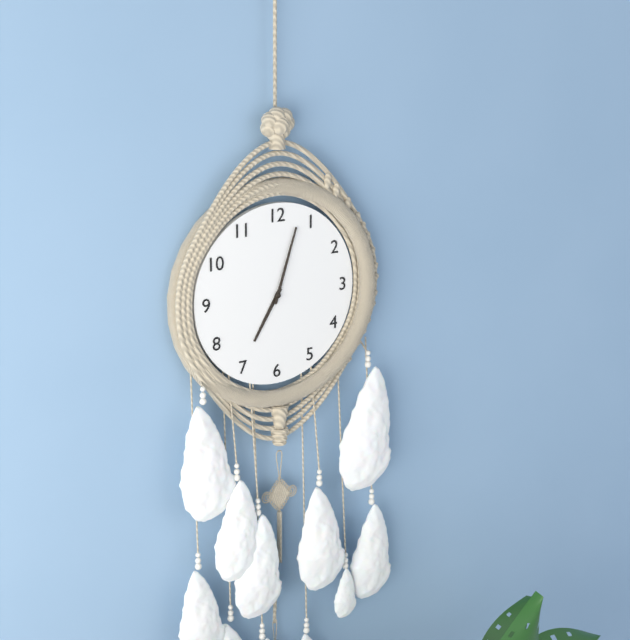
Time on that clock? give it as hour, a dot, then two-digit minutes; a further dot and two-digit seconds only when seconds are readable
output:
7.03
